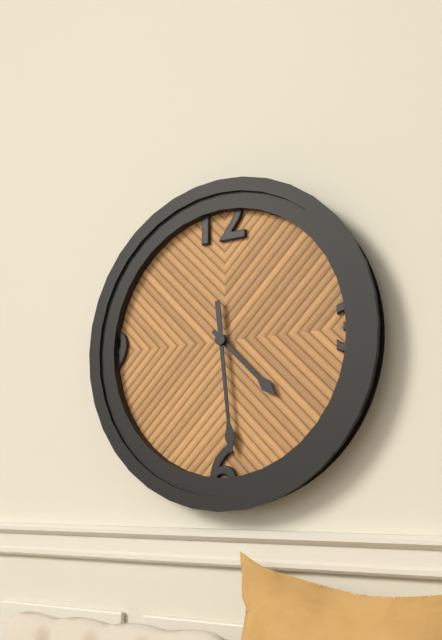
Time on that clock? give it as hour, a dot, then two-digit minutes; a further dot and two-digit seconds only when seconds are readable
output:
4.29
